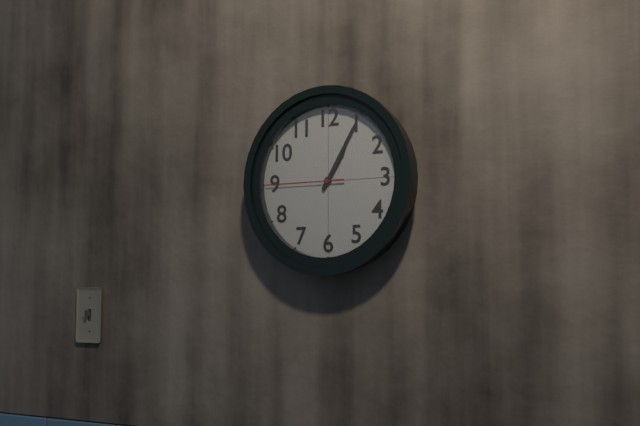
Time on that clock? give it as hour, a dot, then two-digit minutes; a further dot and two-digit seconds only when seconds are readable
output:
1.05.45
